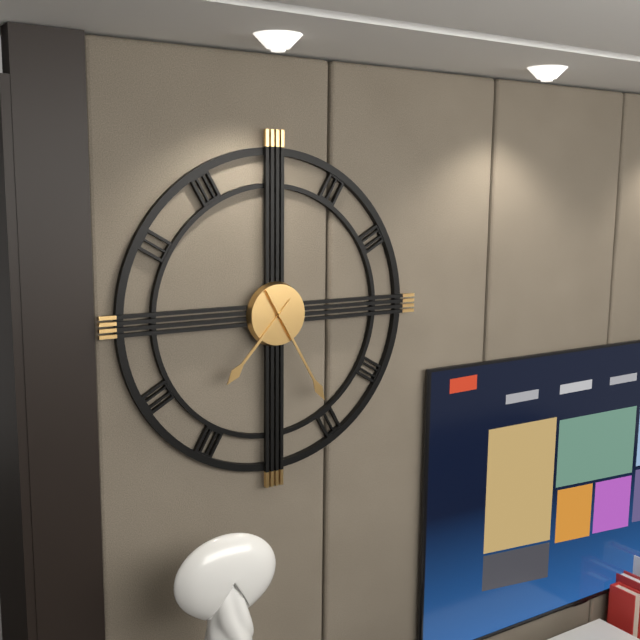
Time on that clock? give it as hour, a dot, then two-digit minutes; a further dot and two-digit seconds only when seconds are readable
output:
7.25
